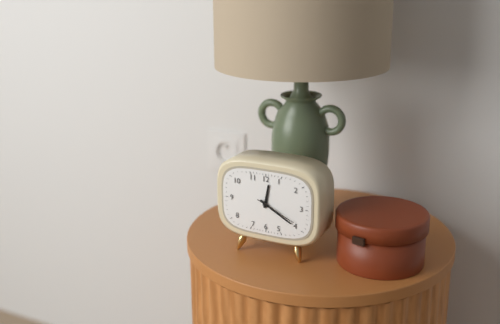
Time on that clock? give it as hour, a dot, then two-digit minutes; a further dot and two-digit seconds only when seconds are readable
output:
12.20
